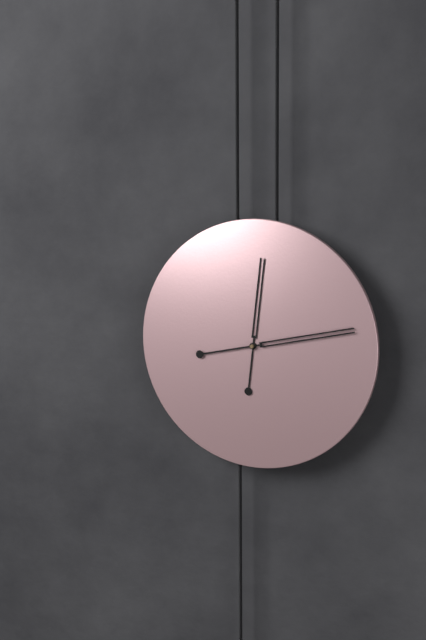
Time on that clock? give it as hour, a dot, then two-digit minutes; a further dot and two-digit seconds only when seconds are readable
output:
12.13
